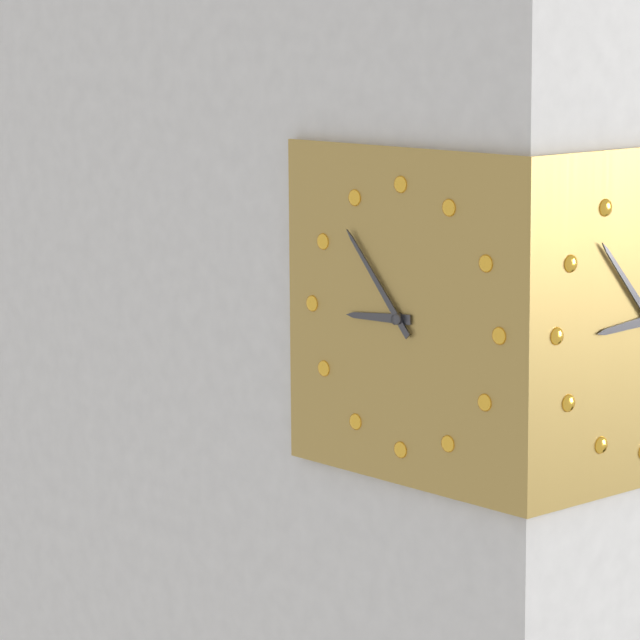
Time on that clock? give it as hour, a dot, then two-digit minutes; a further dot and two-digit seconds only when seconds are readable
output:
8.53
